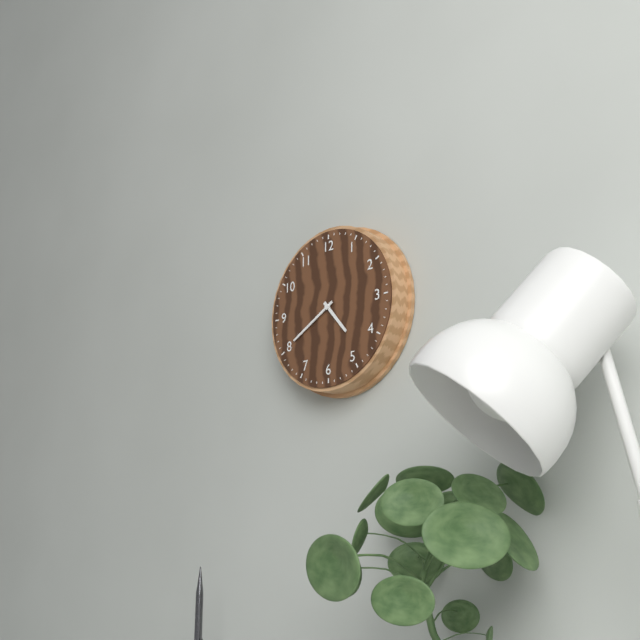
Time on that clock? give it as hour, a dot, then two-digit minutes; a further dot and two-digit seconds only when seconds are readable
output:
4.40
